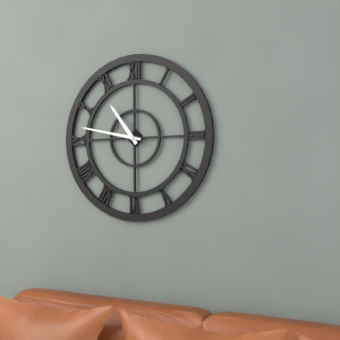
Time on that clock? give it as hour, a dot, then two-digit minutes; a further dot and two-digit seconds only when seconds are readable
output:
10.47
